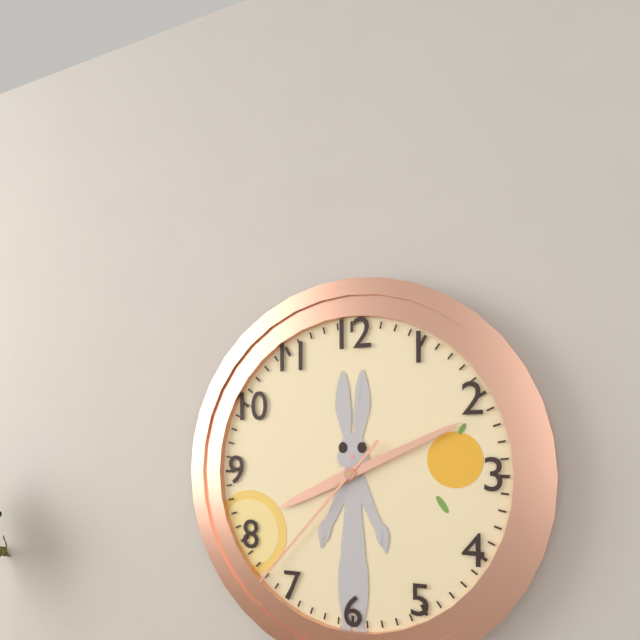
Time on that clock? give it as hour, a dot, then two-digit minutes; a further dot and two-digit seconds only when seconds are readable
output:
8.11.37
